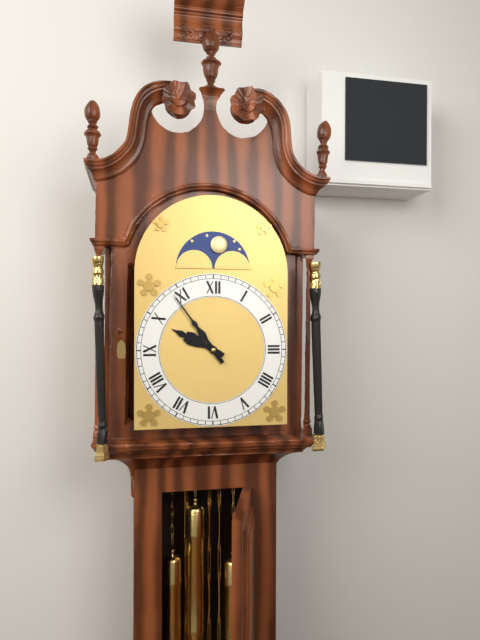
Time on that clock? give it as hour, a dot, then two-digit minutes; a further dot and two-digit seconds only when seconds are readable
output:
9.54
